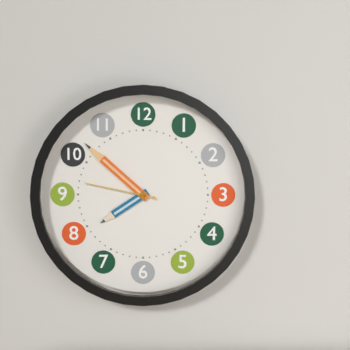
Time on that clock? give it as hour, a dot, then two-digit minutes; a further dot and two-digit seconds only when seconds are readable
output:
7.52.47
